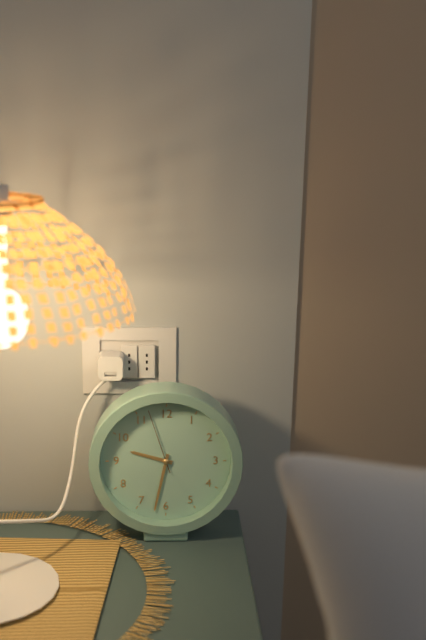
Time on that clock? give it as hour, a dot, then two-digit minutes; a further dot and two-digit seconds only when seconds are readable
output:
9.32.57
